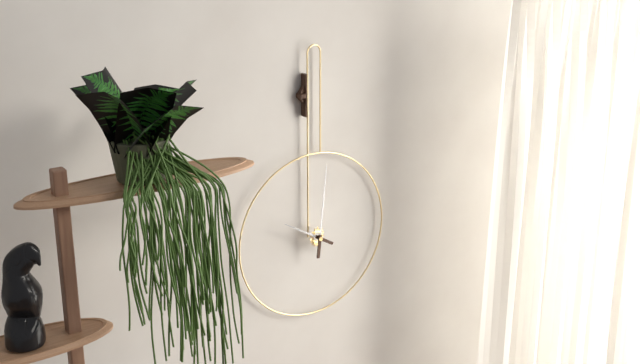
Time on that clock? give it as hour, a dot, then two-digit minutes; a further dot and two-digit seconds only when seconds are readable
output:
10.01
